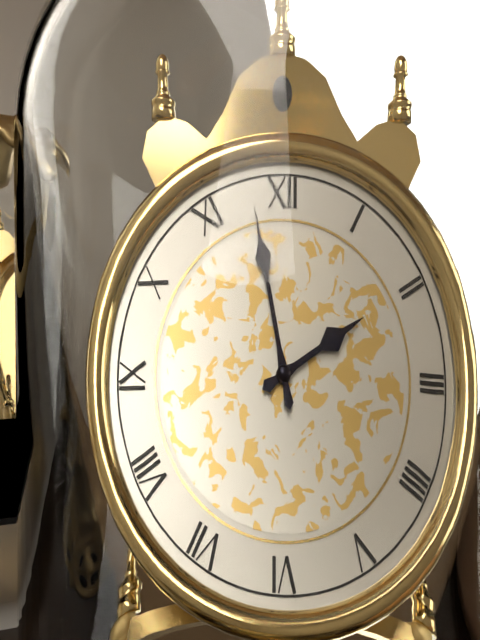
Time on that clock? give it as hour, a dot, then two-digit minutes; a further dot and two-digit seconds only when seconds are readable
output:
1.58
